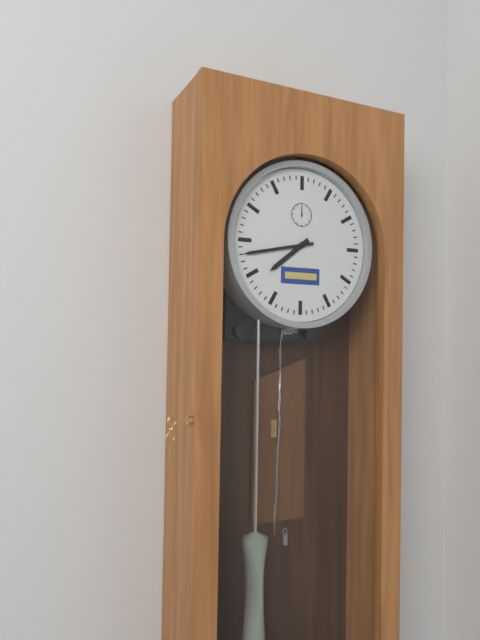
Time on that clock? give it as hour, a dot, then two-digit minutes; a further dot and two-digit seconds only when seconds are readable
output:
7.43
